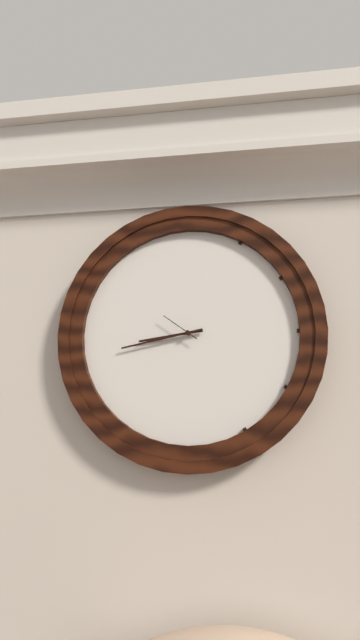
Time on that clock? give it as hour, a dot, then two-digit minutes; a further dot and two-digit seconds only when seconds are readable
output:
8.43
